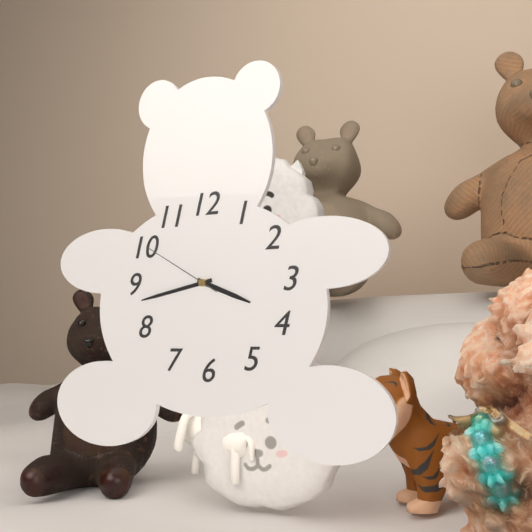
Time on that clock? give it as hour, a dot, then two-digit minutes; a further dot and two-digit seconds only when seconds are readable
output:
3.43.50
